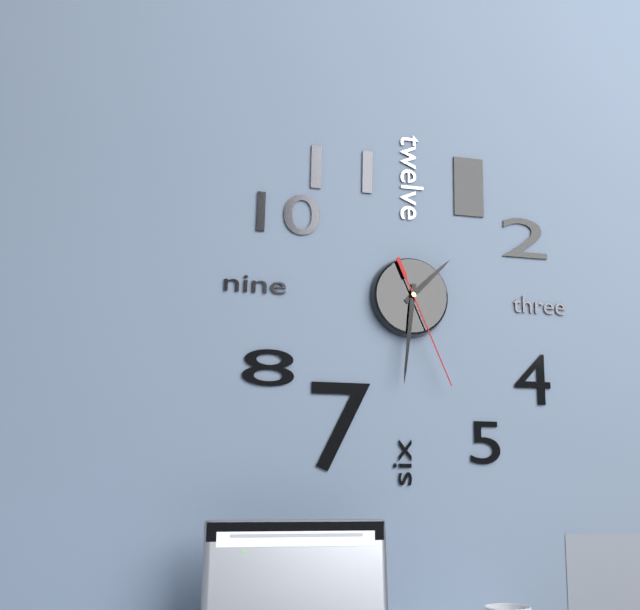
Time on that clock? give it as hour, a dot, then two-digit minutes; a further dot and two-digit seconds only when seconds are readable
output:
1.31.26
